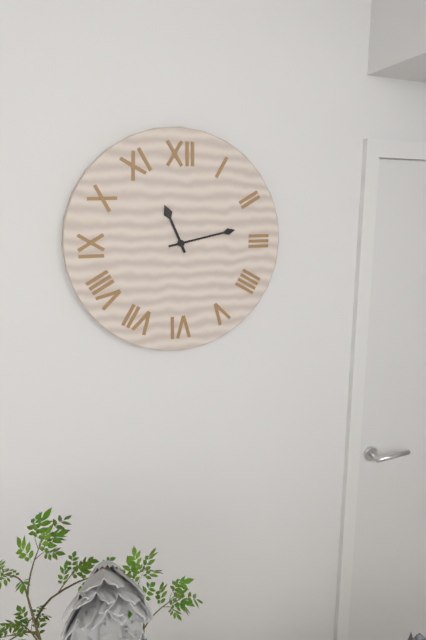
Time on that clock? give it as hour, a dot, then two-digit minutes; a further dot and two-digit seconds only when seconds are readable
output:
11.13
